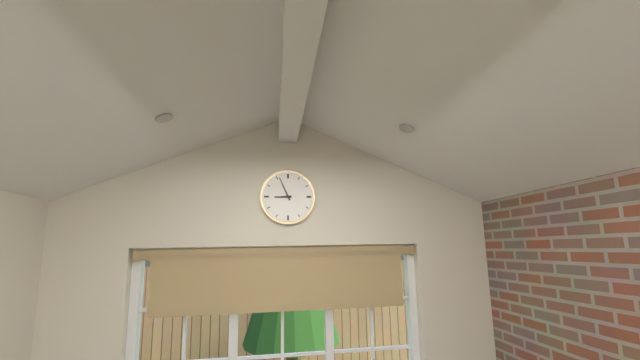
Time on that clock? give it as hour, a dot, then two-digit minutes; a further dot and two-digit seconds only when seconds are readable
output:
8.56
